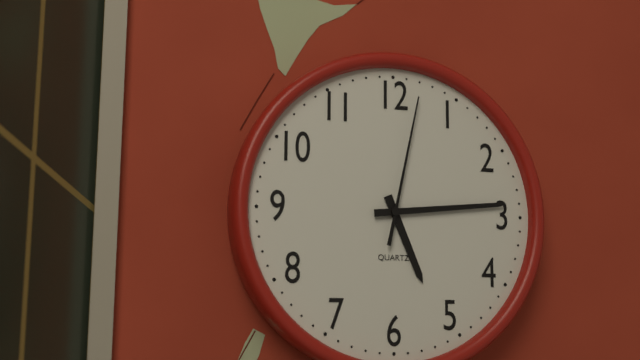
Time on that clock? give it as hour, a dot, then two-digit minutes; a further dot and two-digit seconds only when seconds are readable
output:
5.14.02
